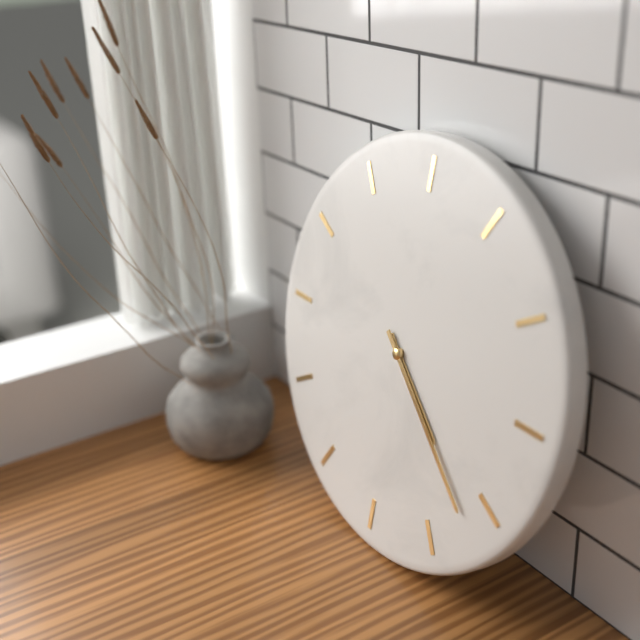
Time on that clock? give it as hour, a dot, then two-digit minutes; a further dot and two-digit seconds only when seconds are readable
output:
4.22
